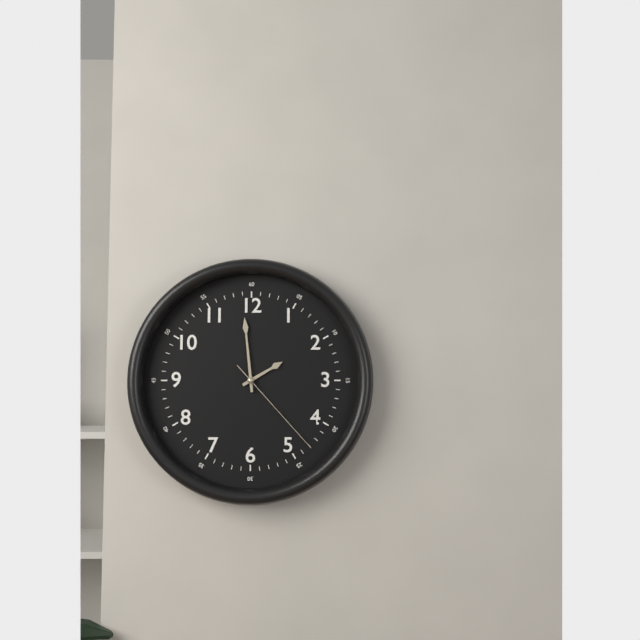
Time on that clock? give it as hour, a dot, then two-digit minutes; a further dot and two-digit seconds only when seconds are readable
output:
1.59.23
